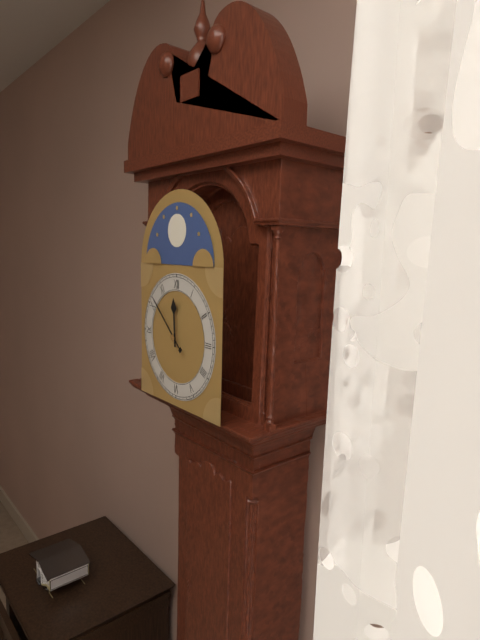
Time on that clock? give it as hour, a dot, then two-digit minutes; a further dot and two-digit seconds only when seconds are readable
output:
11.52
